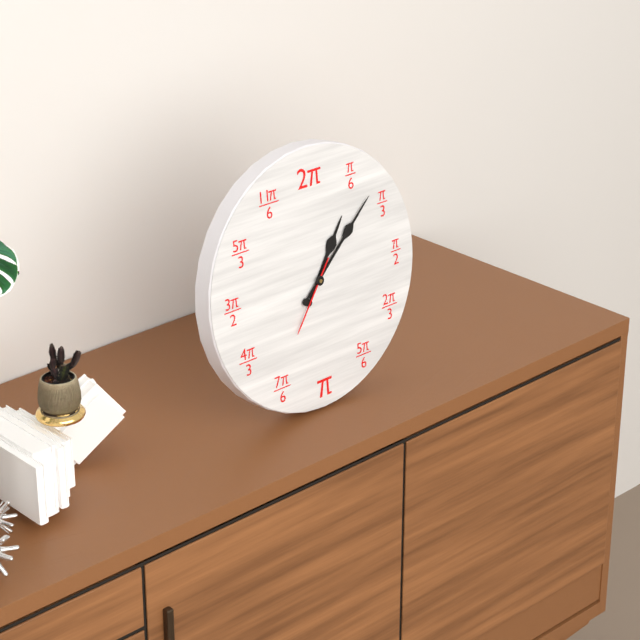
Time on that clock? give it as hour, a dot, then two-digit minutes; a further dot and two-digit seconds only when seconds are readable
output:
1.08.36
